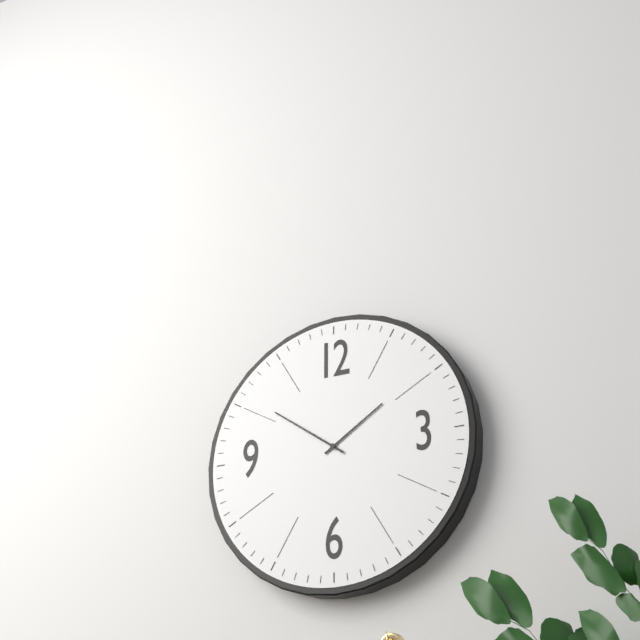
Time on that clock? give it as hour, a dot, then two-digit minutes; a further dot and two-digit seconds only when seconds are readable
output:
1.51
